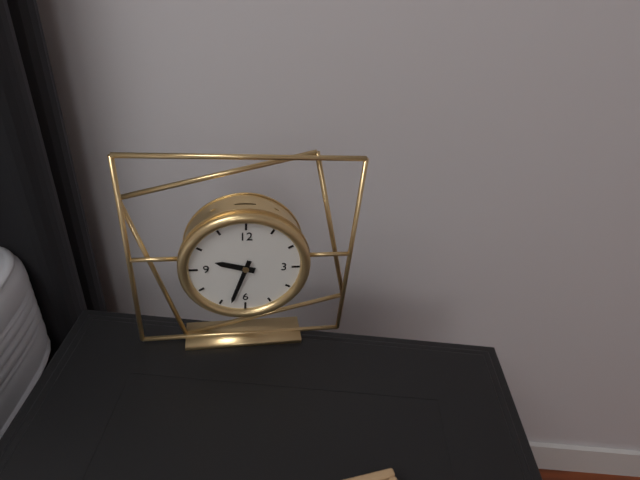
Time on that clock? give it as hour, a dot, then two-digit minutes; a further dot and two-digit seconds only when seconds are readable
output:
9.33
